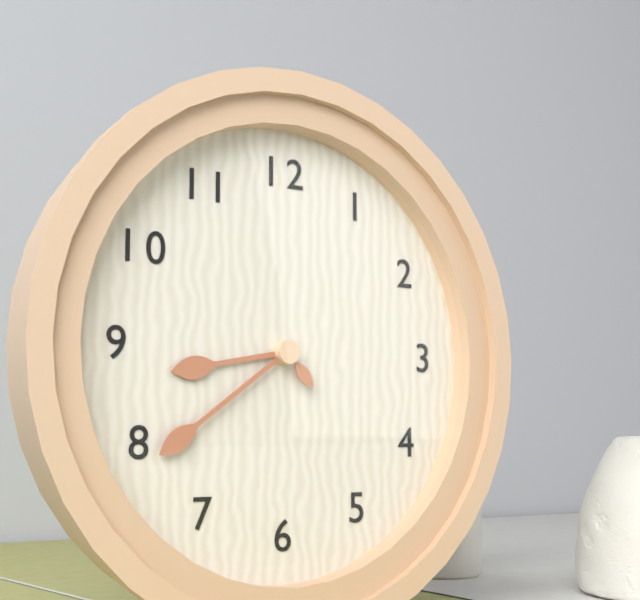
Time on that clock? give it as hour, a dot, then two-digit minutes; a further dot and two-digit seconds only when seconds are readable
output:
8.39.23
